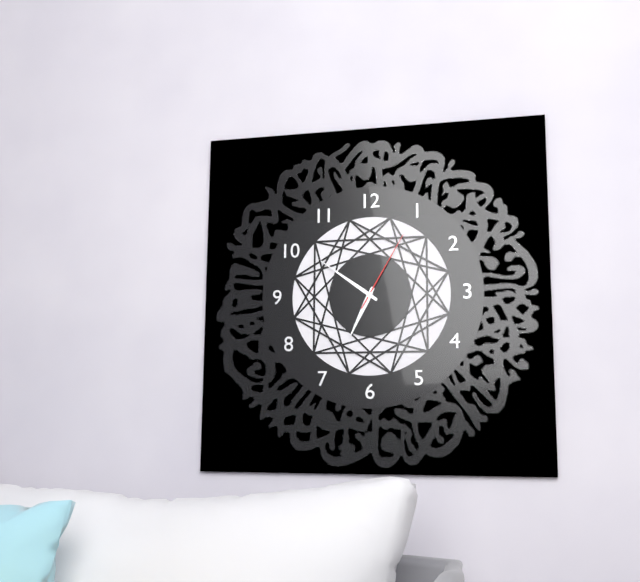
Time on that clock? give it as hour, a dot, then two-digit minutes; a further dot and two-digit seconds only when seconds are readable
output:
6.51.05
